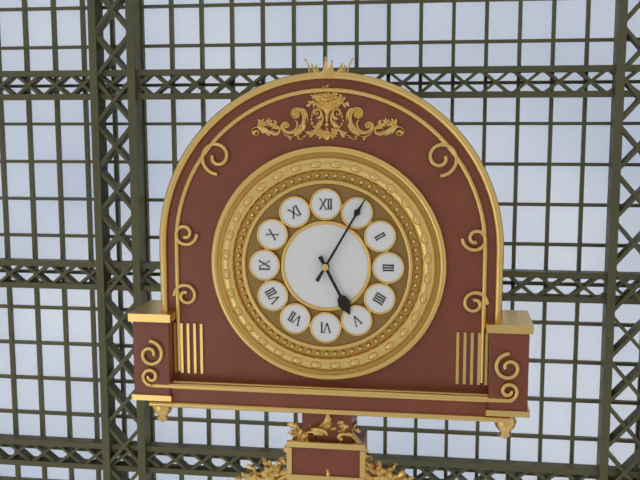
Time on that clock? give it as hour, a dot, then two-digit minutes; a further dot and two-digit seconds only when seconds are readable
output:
5.05
